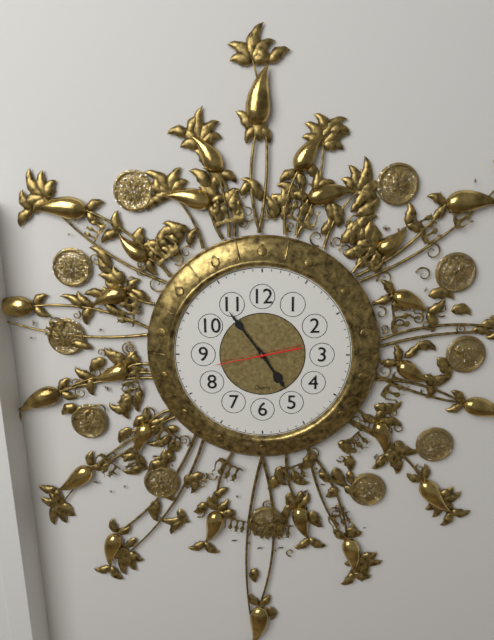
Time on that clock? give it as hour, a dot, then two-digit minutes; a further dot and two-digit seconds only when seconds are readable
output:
4.54.43
